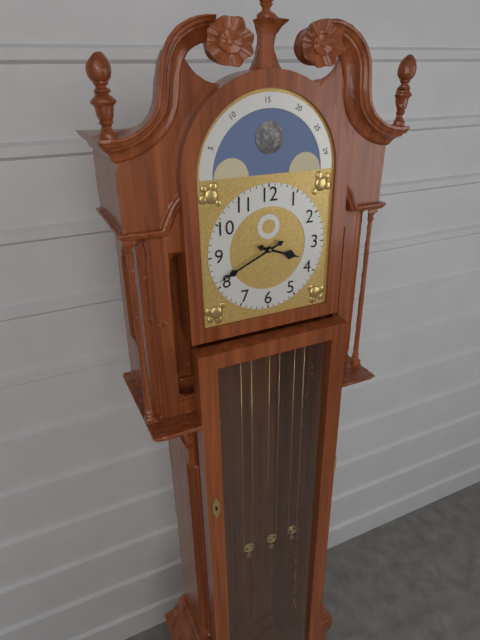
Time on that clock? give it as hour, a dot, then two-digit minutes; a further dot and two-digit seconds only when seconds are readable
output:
3.41
